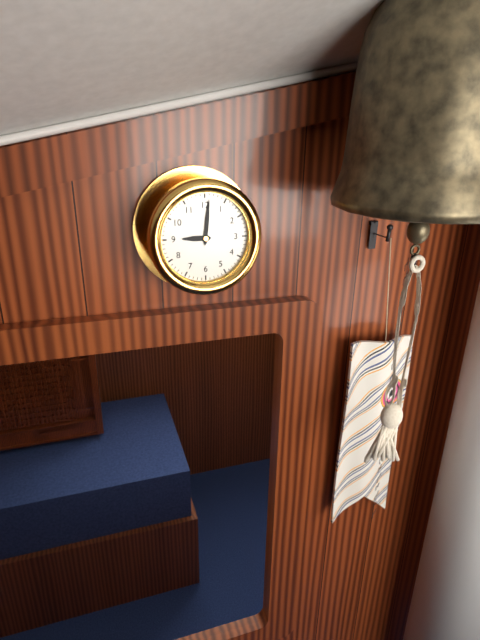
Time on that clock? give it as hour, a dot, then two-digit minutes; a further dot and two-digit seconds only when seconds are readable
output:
9.01
